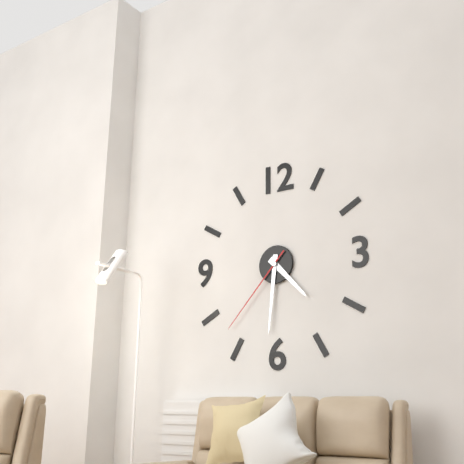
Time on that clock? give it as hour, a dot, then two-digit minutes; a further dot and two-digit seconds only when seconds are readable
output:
4.31.37
